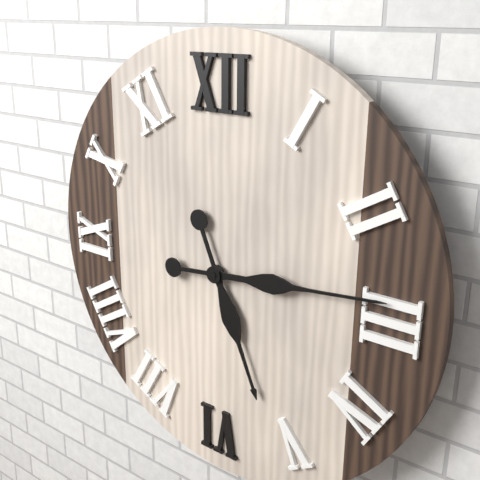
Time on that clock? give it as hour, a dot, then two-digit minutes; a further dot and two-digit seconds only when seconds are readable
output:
5.14
